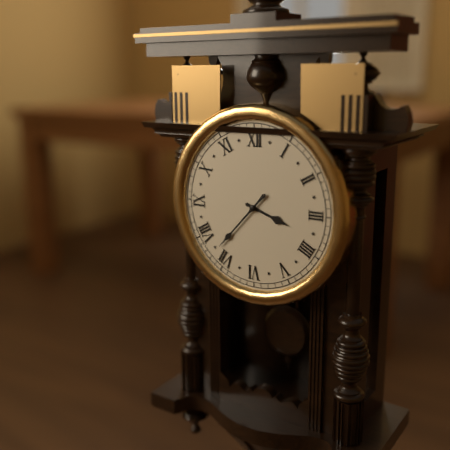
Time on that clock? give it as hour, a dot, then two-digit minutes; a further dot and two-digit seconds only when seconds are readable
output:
3.37
